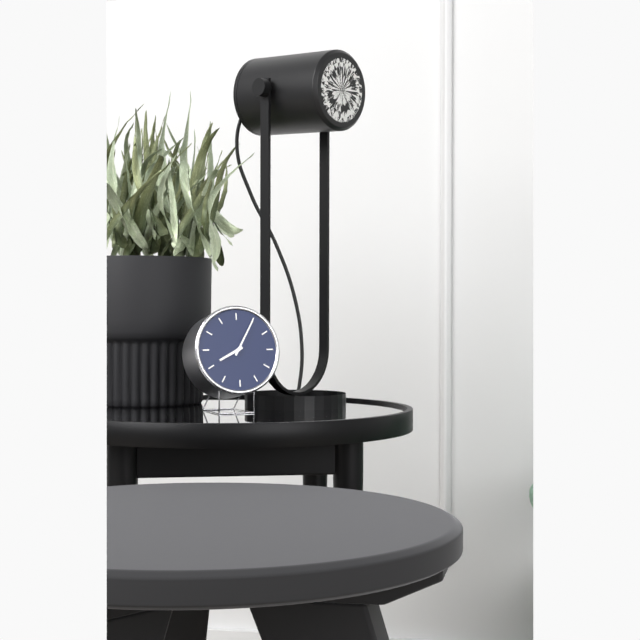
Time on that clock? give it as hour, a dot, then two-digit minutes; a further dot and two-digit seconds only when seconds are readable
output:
8.05
